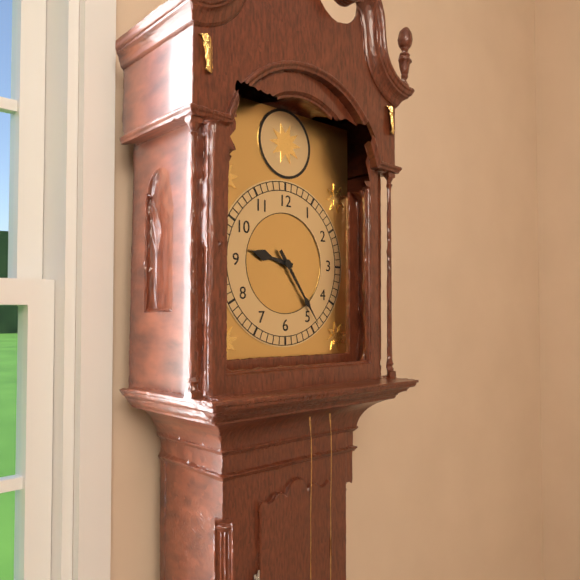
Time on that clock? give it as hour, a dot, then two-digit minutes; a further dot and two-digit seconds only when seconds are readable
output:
9.24
